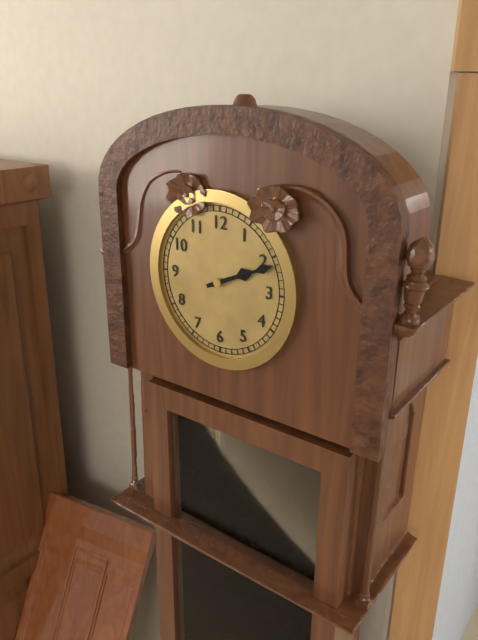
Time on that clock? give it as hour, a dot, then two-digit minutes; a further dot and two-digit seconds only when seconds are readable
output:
2.11
